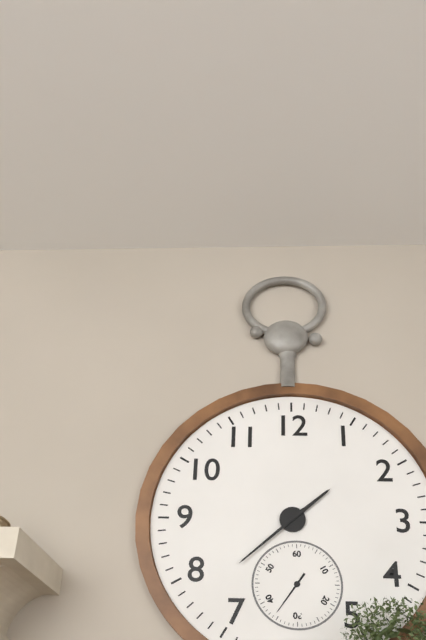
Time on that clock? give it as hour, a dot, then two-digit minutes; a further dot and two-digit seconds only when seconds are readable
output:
1.38
